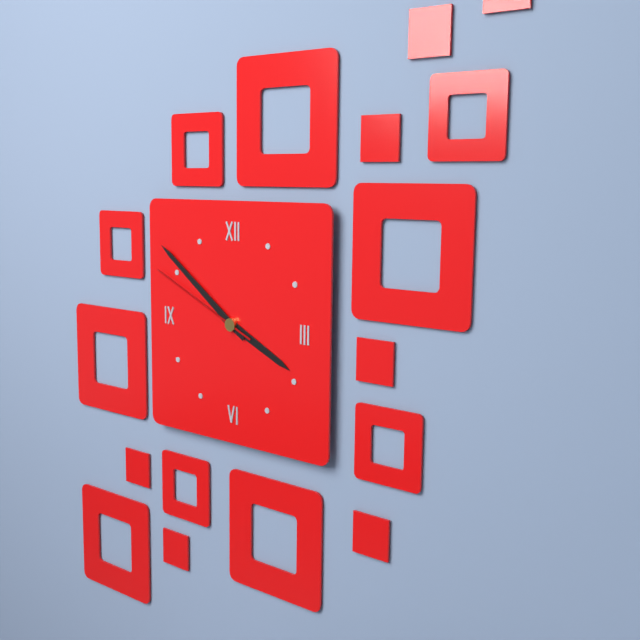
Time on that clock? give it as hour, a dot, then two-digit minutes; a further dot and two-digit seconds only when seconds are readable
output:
3.51.49
